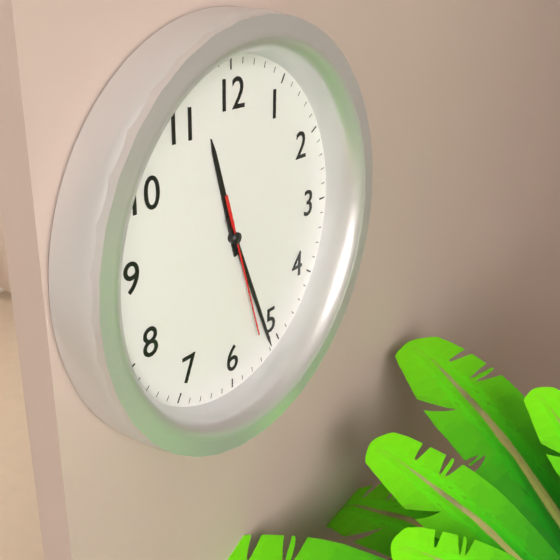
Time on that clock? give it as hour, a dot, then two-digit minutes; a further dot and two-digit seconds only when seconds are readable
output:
11.26.27
